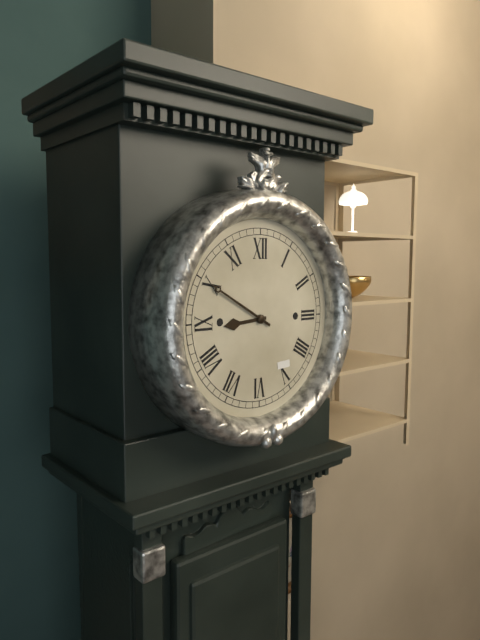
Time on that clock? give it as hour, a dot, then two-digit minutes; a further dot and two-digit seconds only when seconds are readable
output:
8.50
